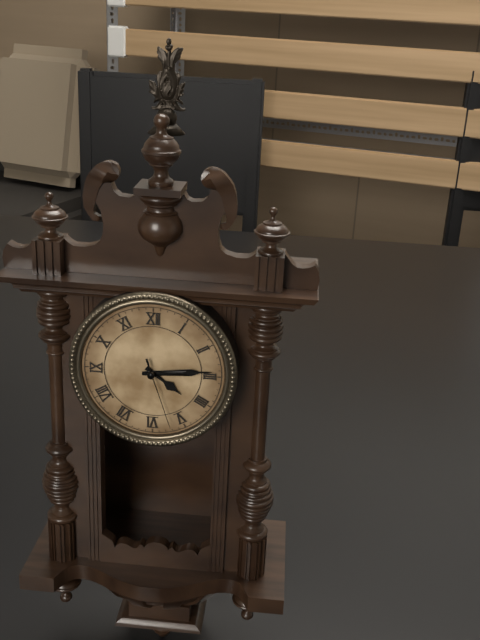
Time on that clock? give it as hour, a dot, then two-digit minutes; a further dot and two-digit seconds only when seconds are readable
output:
4.14.27
